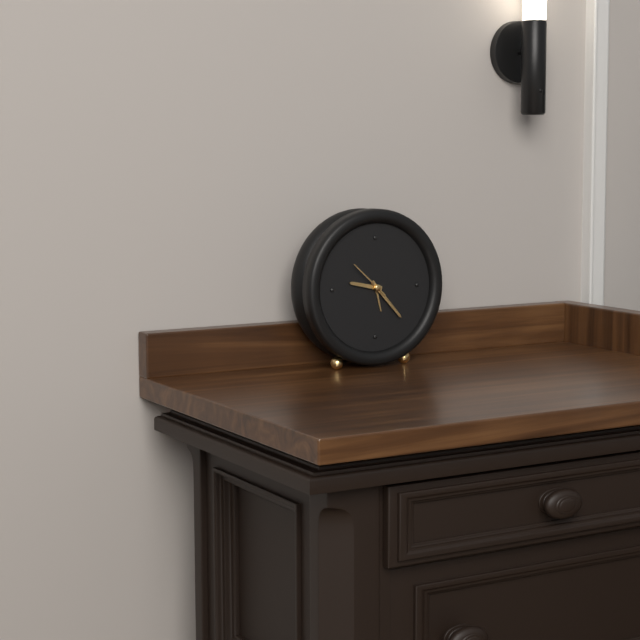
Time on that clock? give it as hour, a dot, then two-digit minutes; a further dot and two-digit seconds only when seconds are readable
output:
9.23
